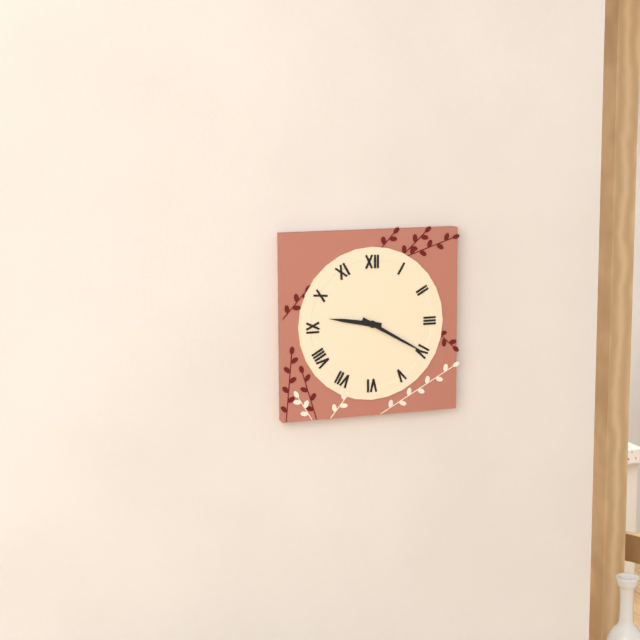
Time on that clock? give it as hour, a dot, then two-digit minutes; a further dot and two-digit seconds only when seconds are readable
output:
9.20
